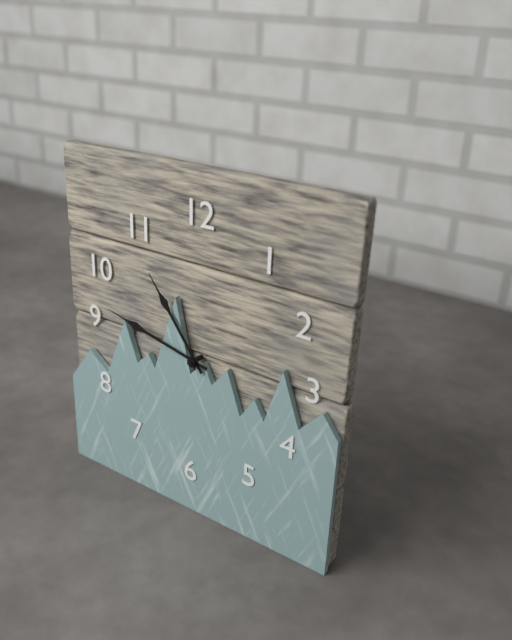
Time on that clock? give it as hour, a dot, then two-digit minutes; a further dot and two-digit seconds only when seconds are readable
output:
10.47
